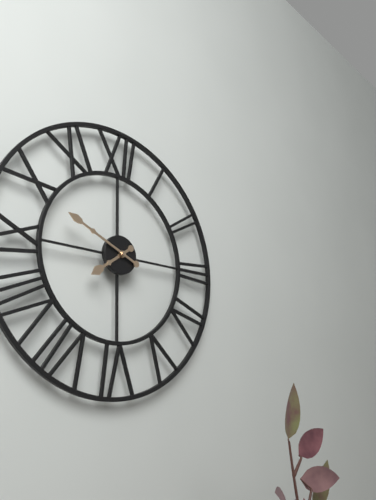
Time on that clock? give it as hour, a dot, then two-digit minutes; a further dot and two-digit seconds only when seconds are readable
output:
7.49
